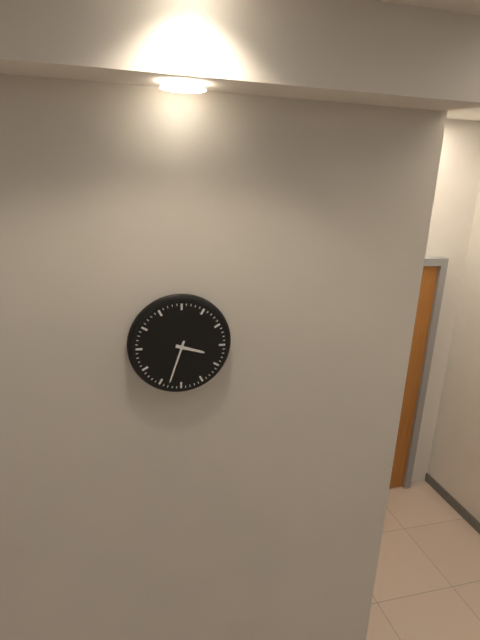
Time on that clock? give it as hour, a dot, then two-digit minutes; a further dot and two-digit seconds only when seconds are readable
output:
3.33
